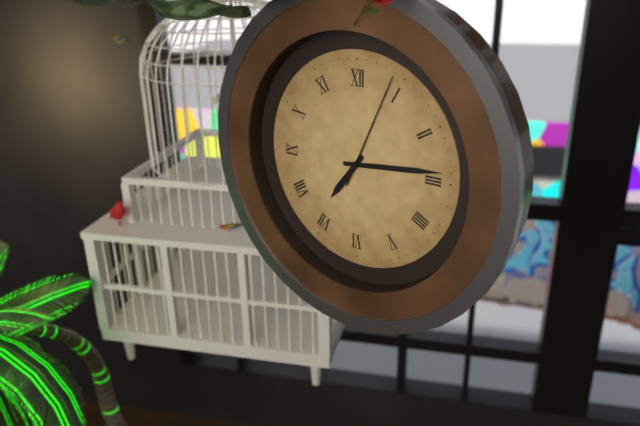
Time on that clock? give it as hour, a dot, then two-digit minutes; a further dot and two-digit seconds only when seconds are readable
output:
7.14.04
